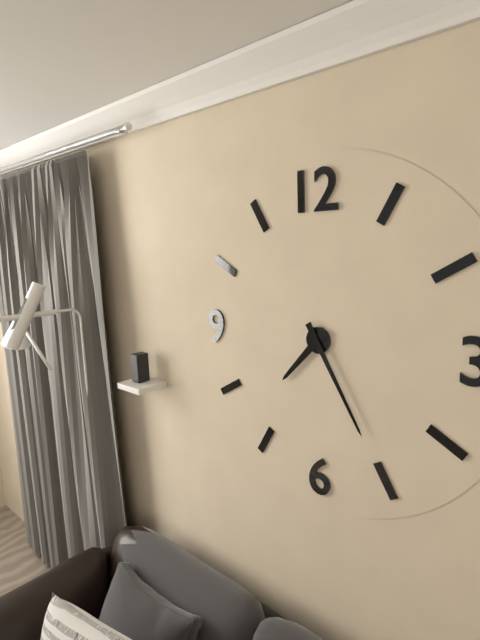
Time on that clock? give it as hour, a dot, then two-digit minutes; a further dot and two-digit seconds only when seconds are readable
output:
7.25
